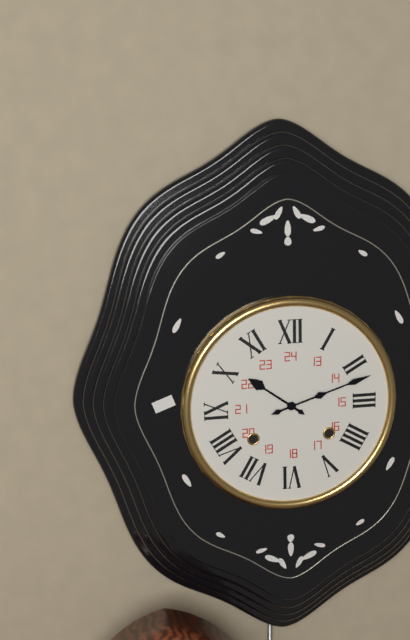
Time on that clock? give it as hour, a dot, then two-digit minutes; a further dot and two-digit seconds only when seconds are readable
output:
10.12
